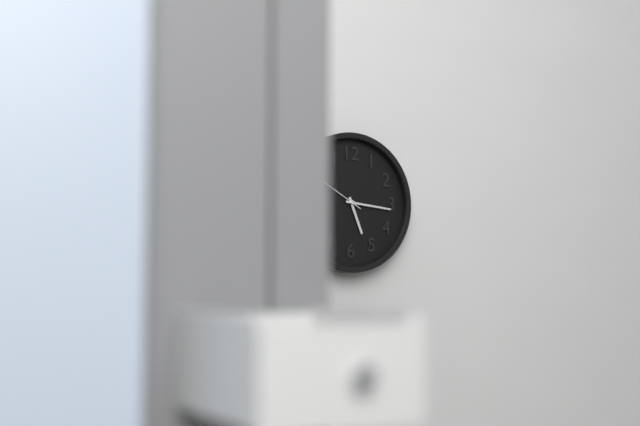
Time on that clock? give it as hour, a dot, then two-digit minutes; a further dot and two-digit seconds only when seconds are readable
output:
5.16
